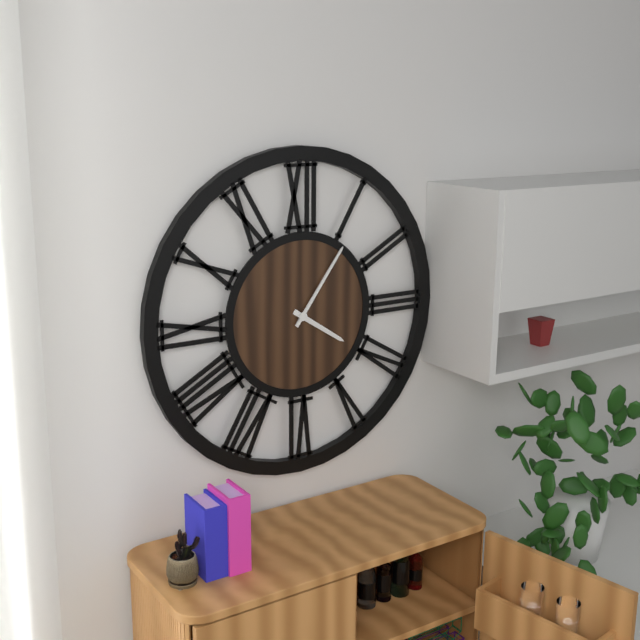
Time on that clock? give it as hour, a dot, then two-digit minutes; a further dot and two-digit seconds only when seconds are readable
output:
4.06
